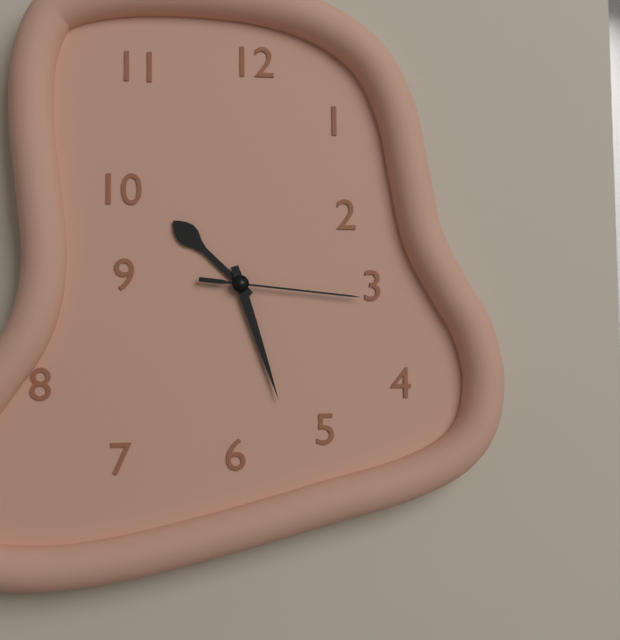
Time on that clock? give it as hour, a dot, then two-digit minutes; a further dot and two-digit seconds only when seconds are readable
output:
10.27.16
